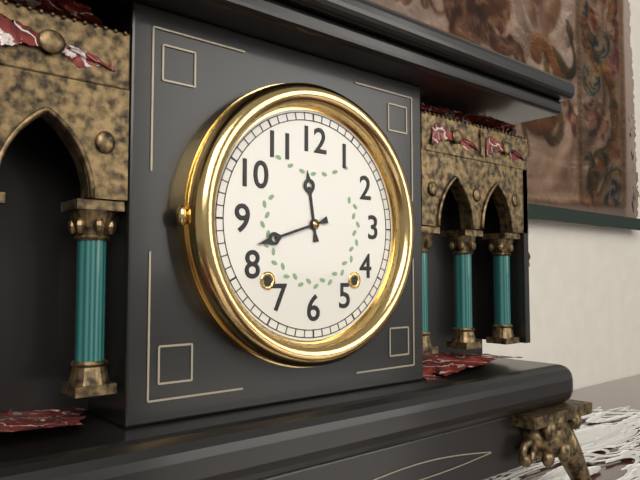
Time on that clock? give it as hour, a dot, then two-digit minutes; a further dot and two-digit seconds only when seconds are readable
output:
11.42
